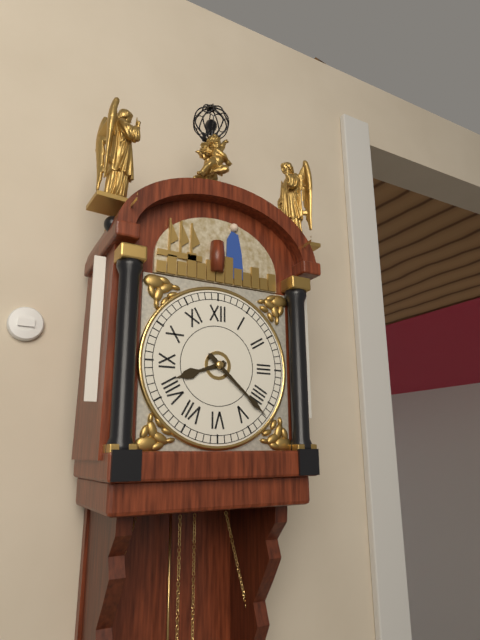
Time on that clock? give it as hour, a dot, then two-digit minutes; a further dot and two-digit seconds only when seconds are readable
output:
8.22
